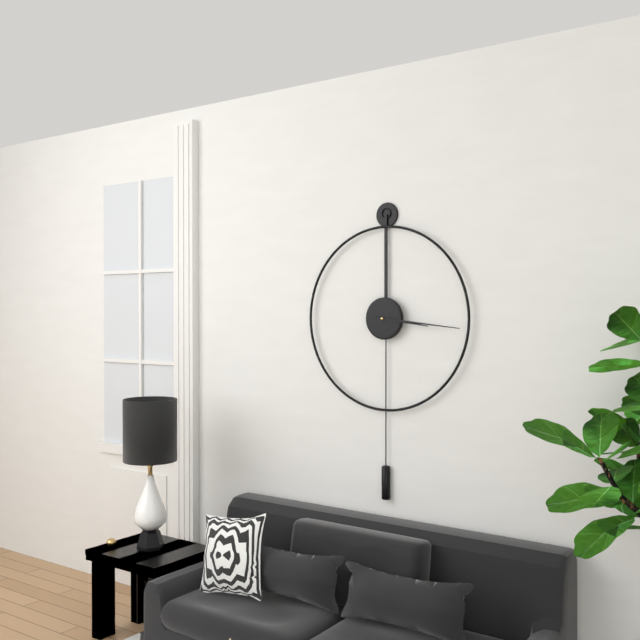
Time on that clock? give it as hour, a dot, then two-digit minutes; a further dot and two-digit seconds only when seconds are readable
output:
3.16
